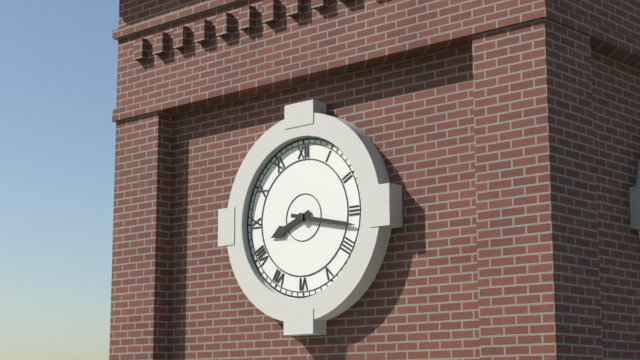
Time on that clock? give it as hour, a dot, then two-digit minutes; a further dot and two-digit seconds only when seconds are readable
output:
8.17
